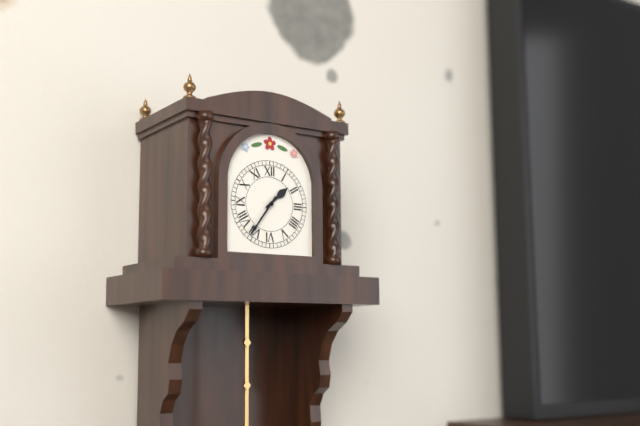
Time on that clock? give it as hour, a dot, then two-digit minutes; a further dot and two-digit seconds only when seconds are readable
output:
1.36
